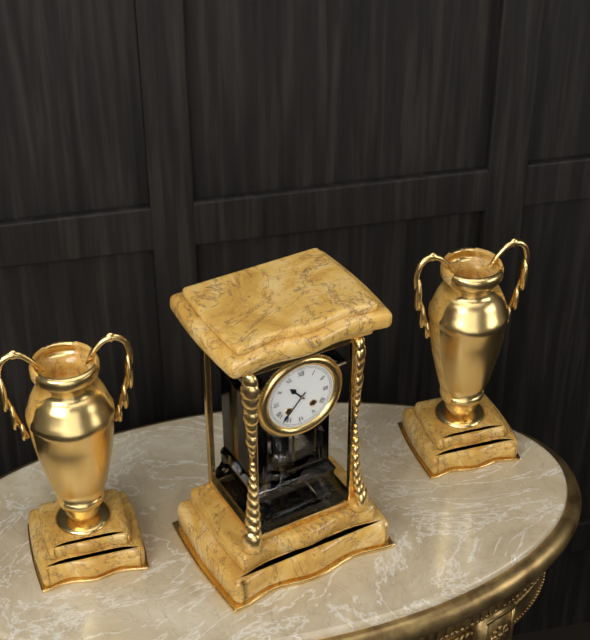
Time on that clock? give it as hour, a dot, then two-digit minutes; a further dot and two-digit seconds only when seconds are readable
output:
10.37
